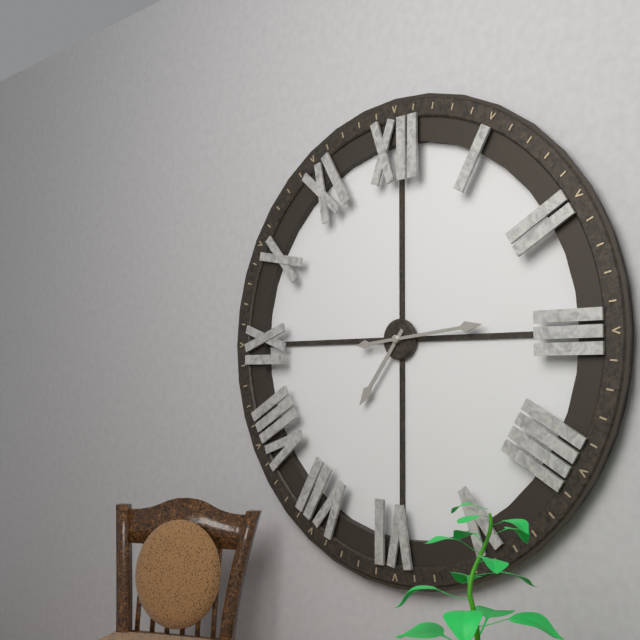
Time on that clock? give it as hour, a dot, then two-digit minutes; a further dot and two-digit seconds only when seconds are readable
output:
7.14
